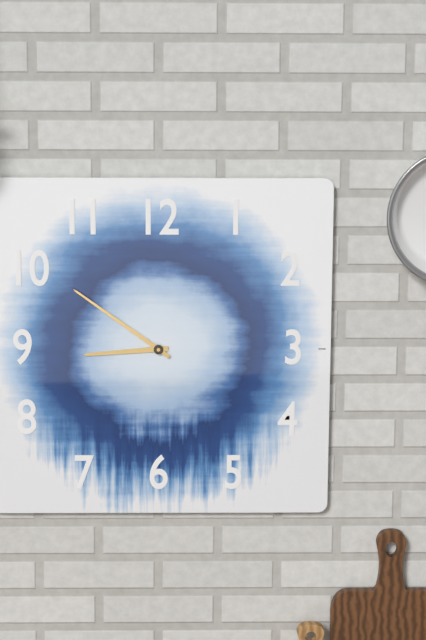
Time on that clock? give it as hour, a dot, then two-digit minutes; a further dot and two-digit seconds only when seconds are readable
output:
8.51
